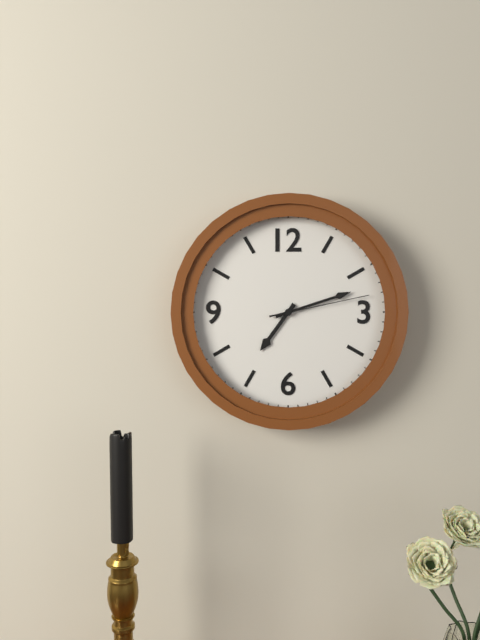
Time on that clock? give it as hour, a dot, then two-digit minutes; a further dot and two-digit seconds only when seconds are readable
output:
7.12.13
